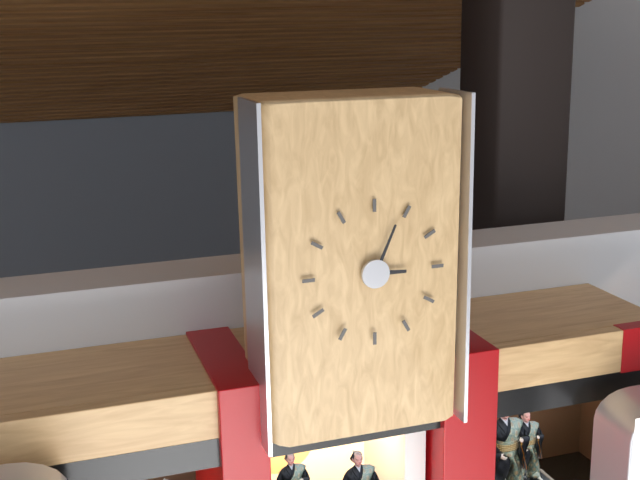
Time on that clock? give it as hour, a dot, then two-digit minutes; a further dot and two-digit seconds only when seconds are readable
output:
3.04
